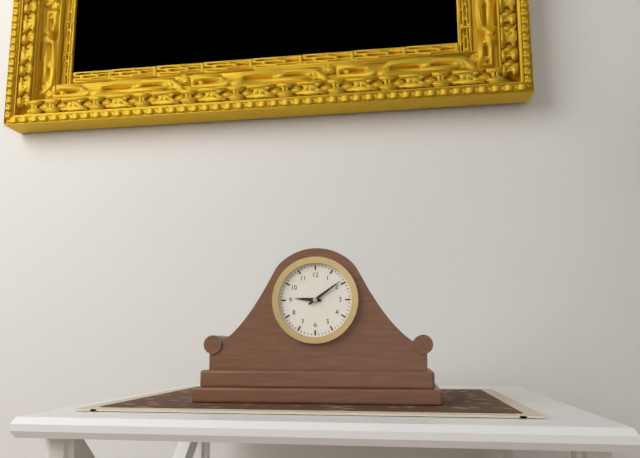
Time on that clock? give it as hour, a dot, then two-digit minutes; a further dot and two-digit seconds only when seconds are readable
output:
9.09
